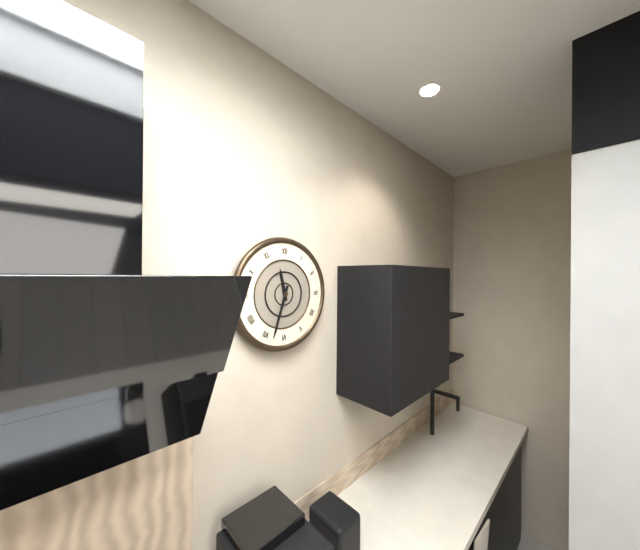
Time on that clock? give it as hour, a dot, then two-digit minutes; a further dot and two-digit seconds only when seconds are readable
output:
11.33
